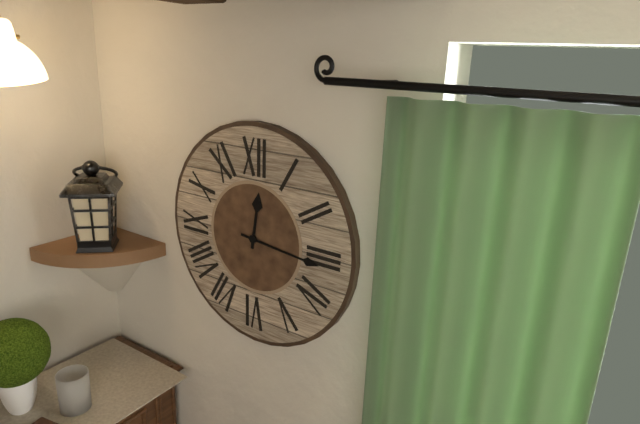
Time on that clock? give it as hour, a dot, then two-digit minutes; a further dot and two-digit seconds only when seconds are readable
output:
12.16
